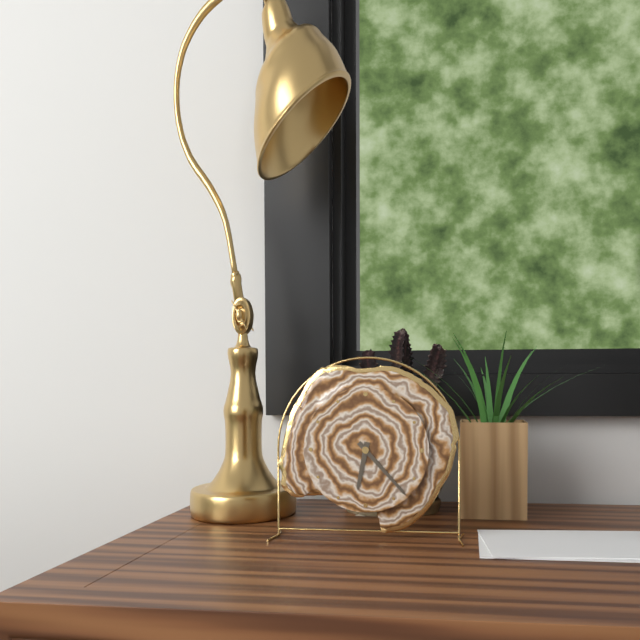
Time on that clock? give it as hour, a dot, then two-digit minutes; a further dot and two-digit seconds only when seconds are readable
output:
6.23
